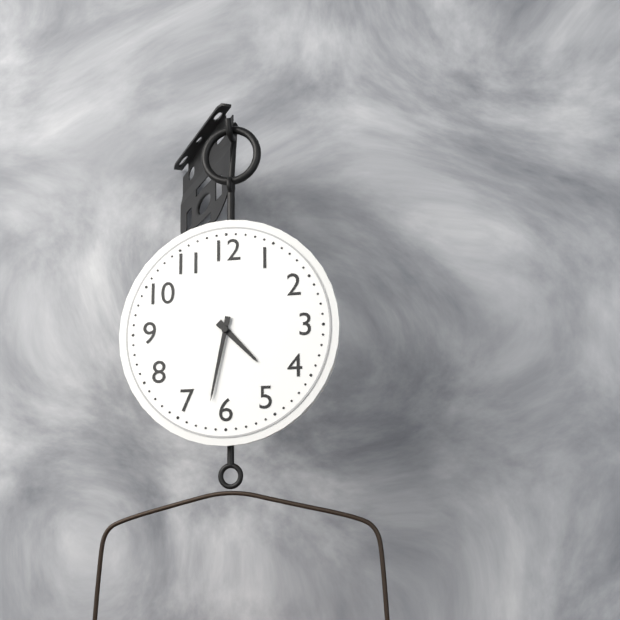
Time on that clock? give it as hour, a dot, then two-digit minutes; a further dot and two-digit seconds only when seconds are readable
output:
4.32
